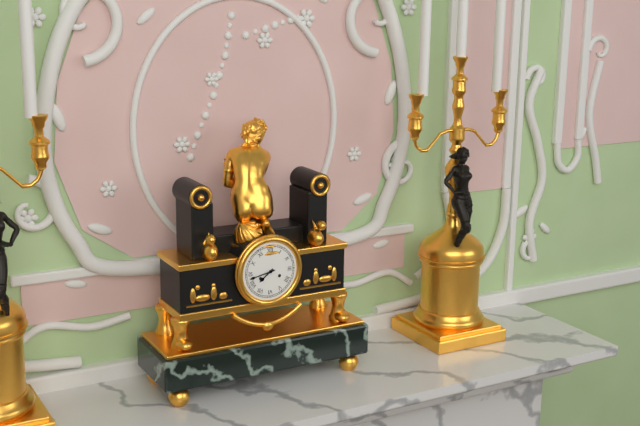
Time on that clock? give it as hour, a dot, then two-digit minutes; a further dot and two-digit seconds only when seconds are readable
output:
7.43
